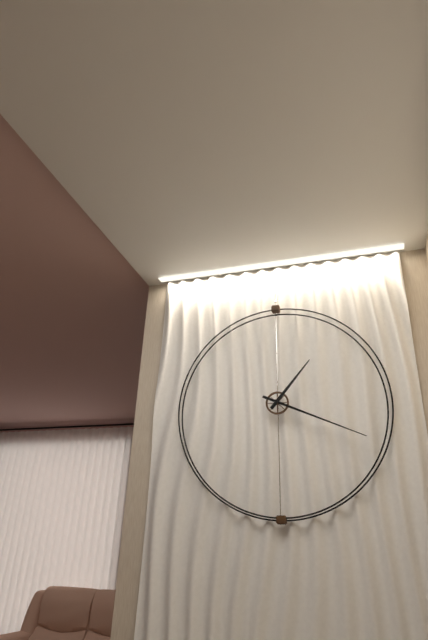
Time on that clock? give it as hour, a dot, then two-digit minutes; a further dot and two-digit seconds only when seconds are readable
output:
1.19
